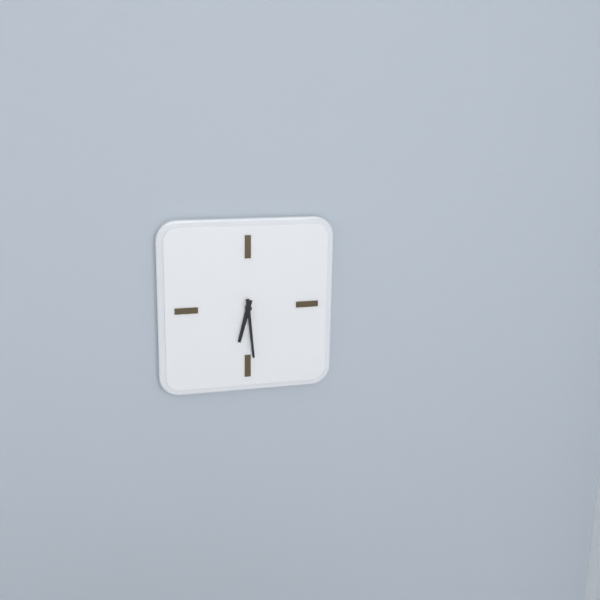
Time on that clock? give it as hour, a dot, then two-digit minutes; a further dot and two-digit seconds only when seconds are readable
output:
6.29
